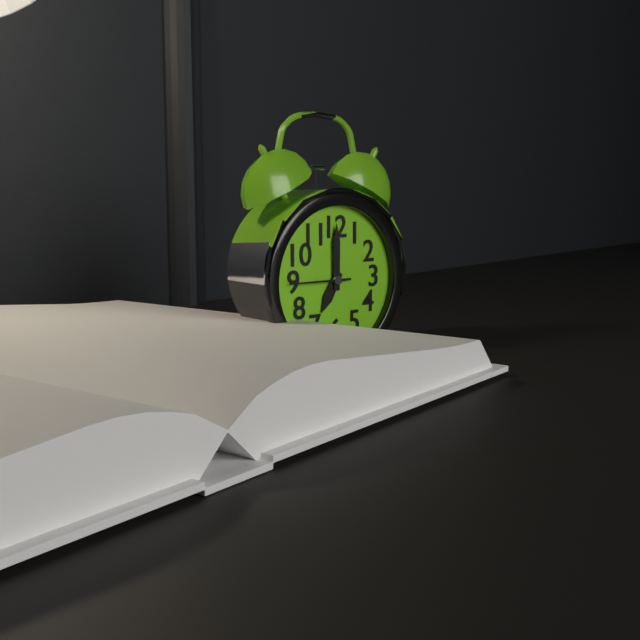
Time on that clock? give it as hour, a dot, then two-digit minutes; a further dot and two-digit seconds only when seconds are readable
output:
7.00.45
